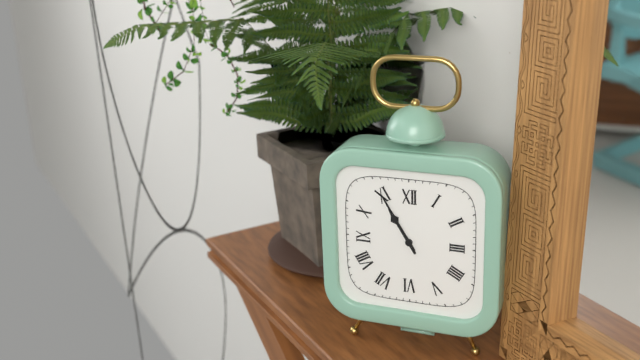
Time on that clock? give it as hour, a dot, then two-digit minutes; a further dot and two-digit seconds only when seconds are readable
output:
10.55
